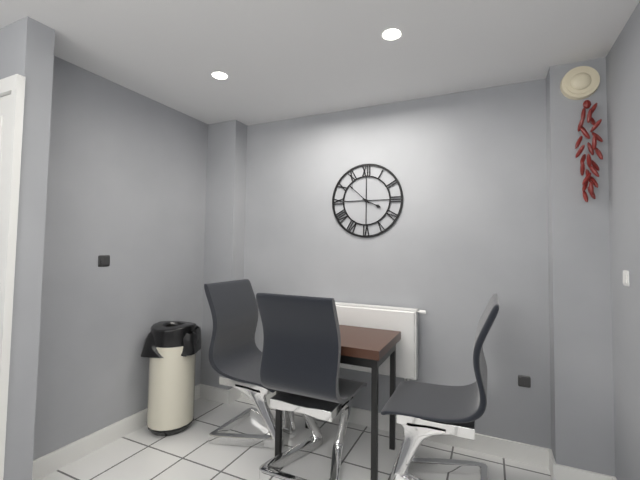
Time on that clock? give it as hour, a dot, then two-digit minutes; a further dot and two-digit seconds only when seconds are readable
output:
3.52
